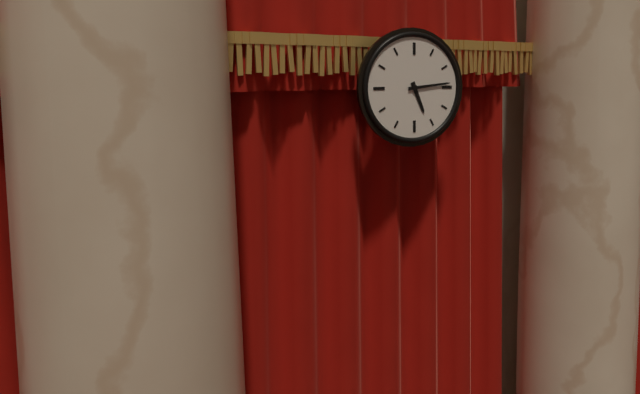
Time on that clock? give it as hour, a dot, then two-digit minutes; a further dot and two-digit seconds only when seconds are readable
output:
5.14
